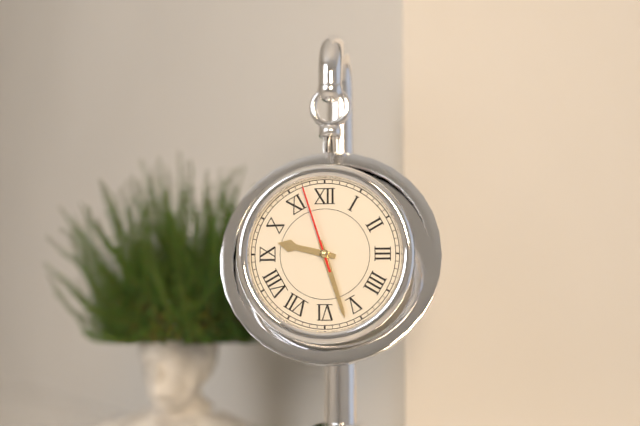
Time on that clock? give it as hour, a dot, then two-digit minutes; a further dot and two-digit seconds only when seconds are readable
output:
9.27.57
